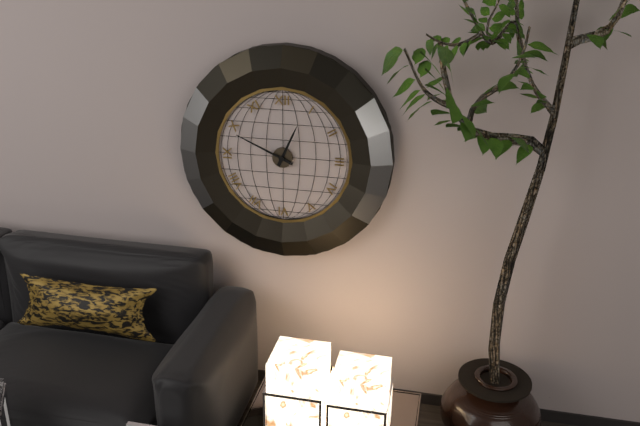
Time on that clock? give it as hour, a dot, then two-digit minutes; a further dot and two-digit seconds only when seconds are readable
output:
12.49
